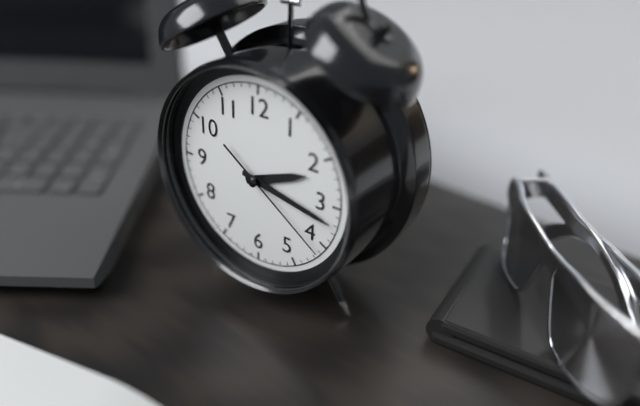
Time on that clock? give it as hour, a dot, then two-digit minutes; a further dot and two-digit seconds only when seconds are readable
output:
2.17.21
